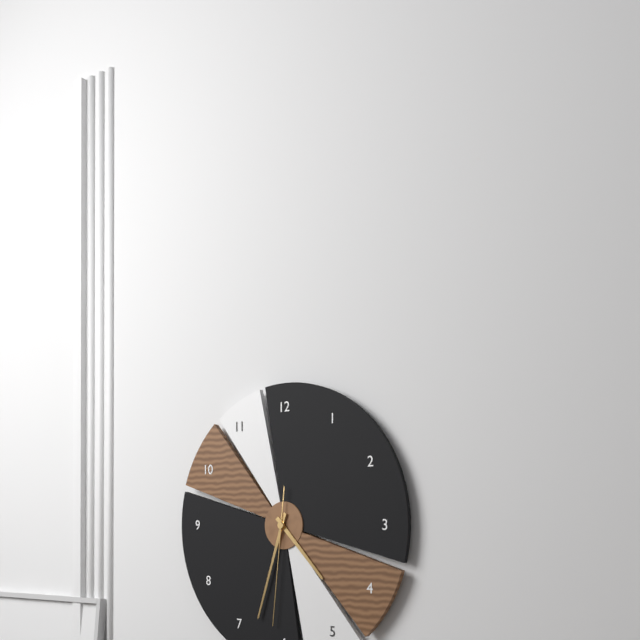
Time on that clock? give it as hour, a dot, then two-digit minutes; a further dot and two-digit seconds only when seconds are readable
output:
4.33.31
